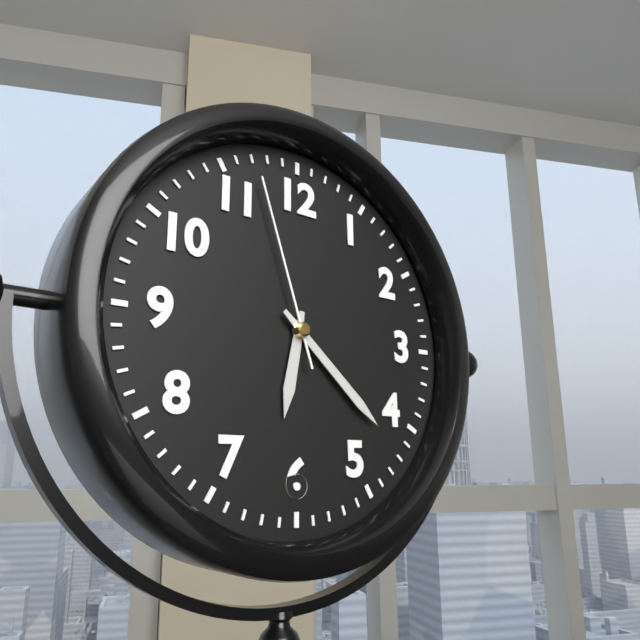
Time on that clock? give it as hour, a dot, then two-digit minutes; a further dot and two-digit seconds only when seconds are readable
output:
6.22.57
